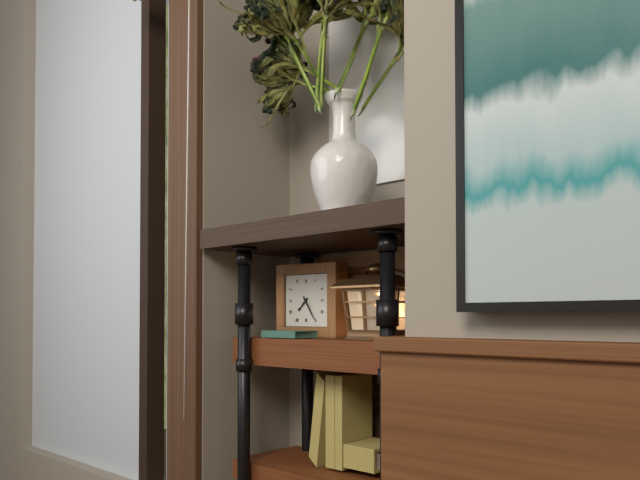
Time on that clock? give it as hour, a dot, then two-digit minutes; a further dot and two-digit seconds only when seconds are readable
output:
7.25
